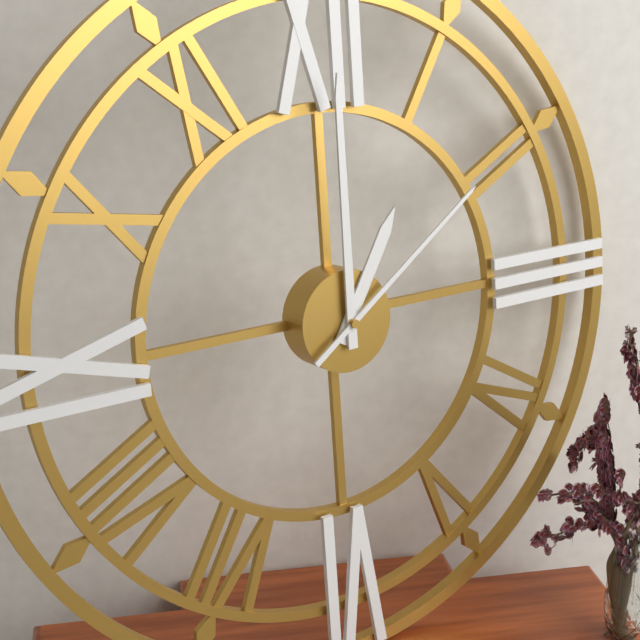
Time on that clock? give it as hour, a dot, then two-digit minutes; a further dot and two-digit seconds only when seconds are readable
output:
1.00.09
